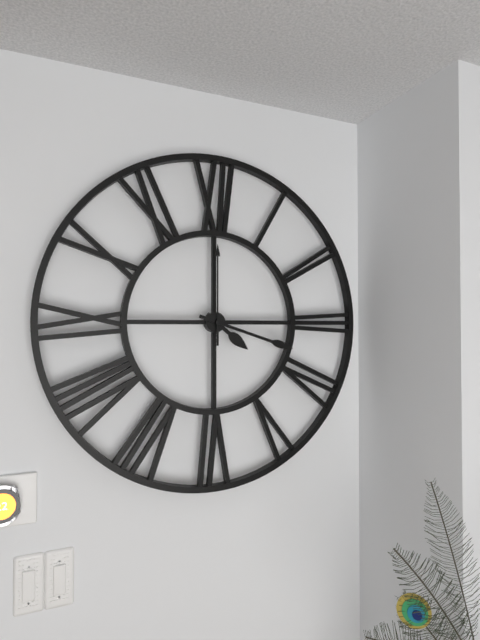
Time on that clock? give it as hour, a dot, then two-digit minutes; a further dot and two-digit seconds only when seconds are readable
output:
4.18.00
